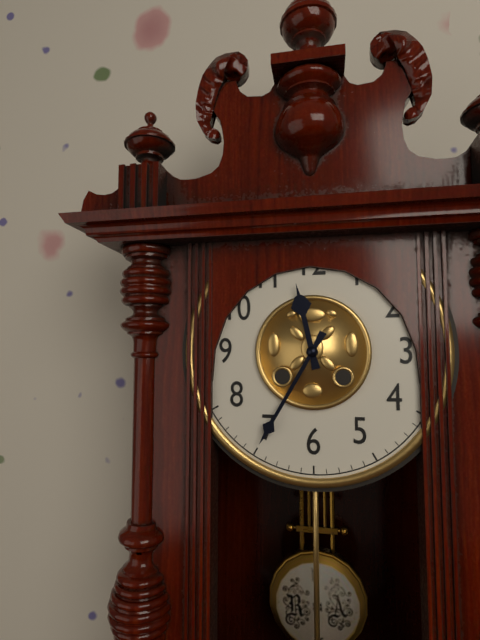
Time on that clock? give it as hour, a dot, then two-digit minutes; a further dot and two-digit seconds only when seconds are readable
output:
11.35
